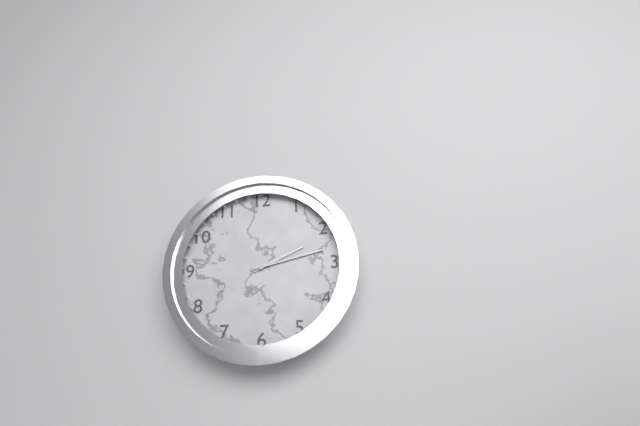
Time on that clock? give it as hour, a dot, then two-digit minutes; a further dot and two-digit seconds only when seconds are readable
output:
2.13
